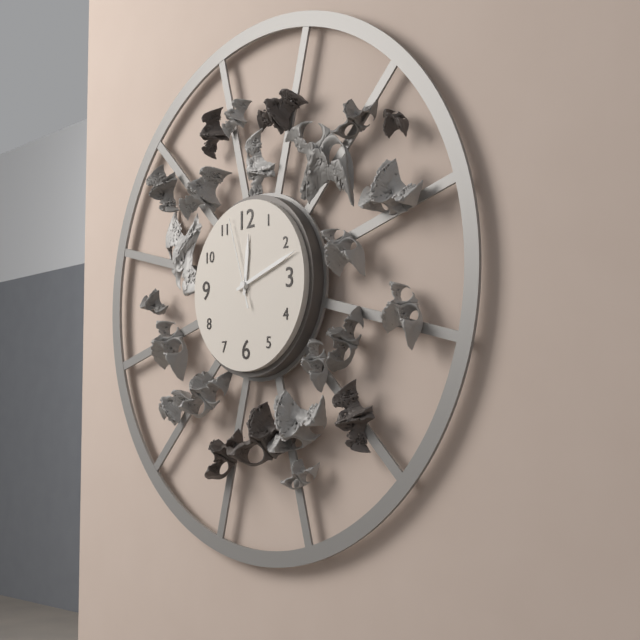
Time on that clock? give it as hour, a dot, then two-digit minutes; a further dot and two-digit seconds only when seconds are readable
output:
12.12.57
